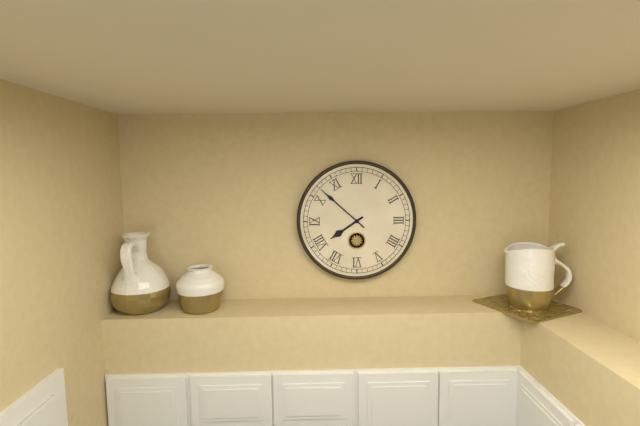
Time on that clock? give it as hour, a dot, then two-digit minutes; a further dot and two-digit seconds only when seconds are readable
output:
7.52
